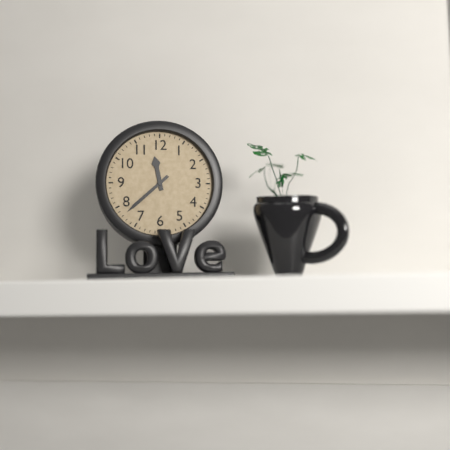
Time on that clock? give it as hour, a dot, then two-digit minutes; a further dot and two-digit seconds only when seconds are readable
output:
11.38
